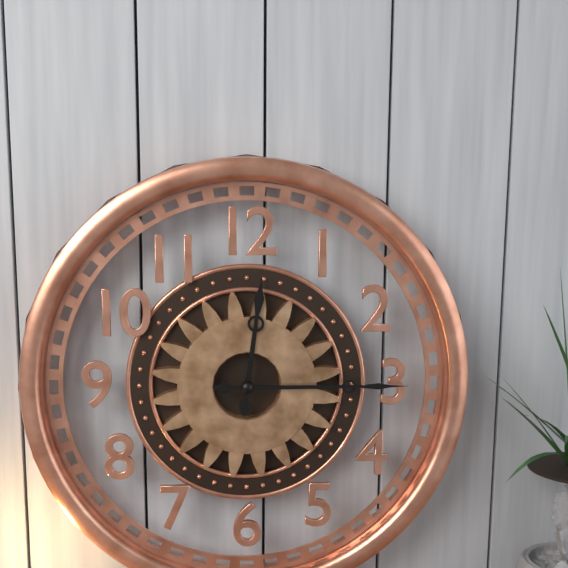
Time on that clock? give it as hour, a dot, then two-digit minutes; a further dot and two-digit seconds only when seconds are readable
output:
12.15
